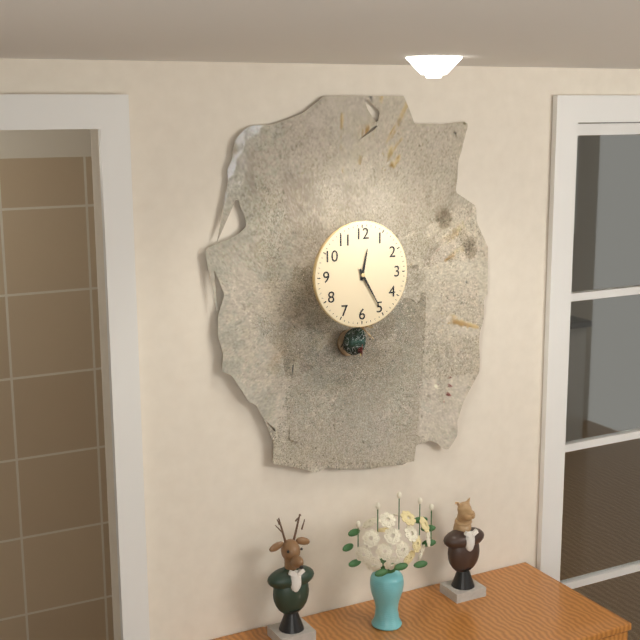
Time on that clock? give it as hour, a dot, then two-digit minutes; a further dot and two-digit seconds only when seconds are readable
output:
12.25
